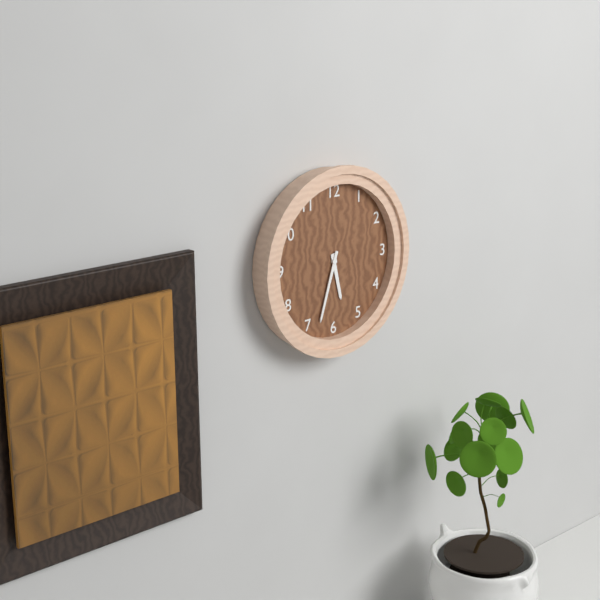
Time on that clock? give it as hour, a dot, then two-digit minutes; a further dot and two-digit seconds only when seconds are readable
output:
5.33
